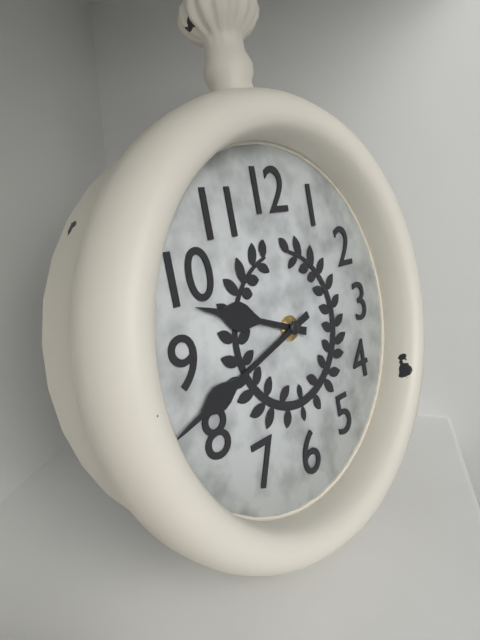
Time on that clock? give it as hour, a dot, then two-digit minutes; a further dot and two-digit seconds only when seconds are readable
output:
9.42
